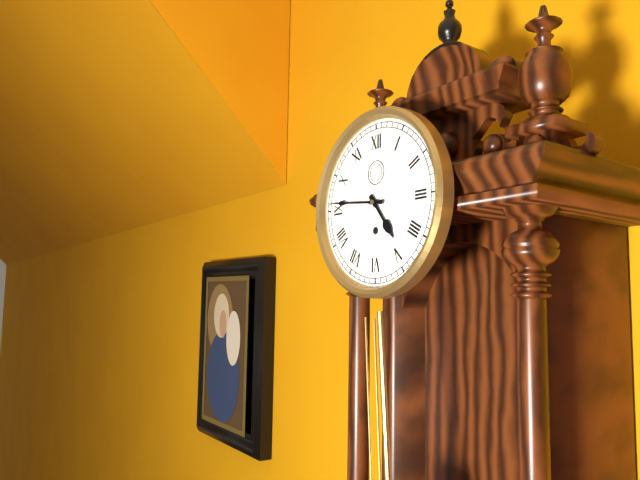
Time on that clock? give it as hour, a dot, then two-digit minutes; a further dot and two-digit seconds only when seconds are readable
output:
4.46
